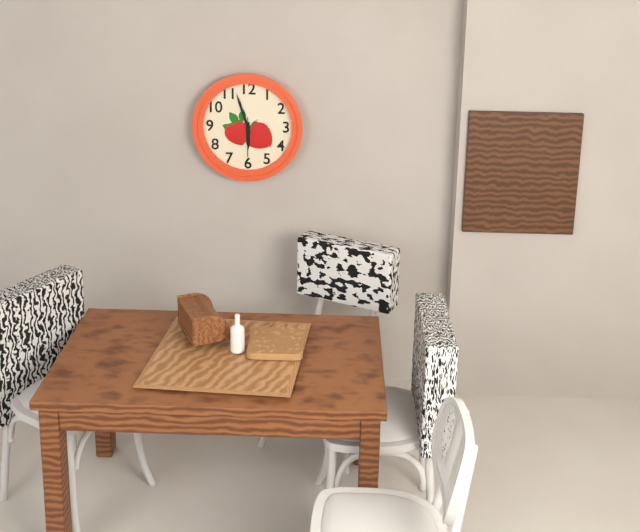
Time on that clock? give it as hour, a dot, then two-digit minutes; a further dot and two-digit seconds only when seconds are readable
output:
5.57
